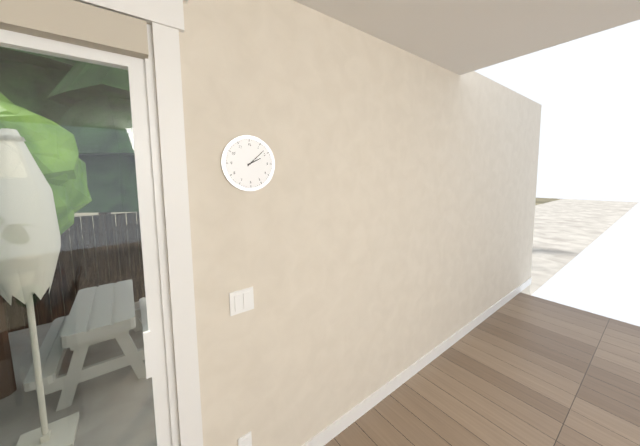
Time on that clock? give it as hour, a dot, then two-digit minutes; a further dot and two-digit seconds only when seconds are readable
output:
2.08
